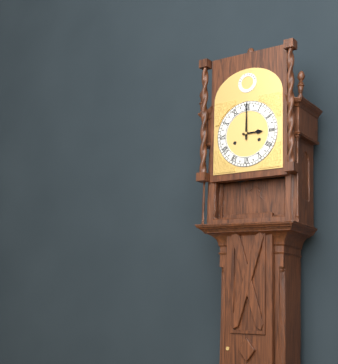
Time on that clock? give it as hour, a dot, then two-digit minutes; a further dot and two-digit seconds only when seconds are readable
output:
3.00
